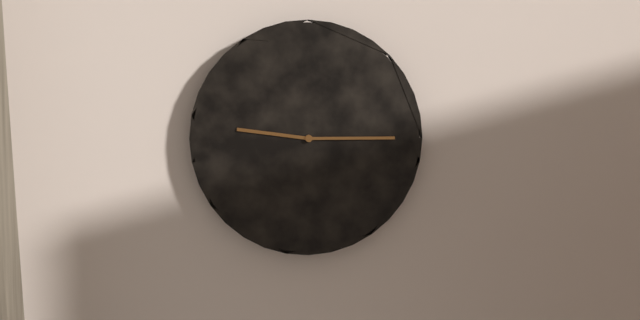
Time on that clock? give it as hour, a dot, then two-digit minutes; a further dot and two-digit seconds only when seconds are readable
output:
9.15
